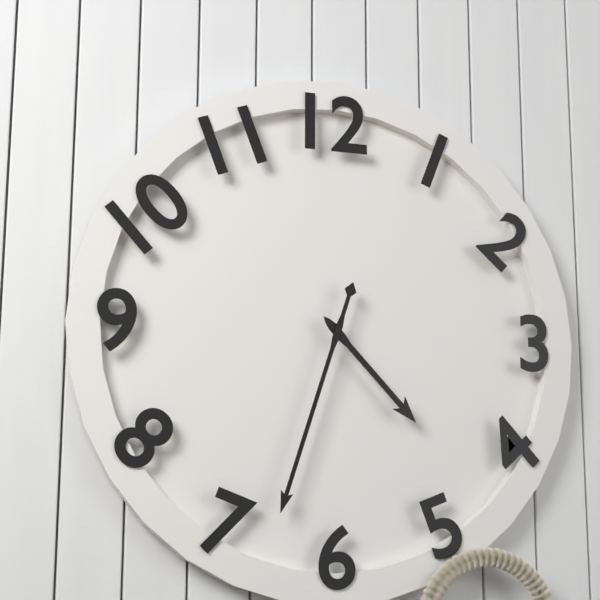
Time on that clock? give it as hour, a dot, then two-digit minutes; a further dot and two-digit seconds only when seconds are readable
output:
4.33
